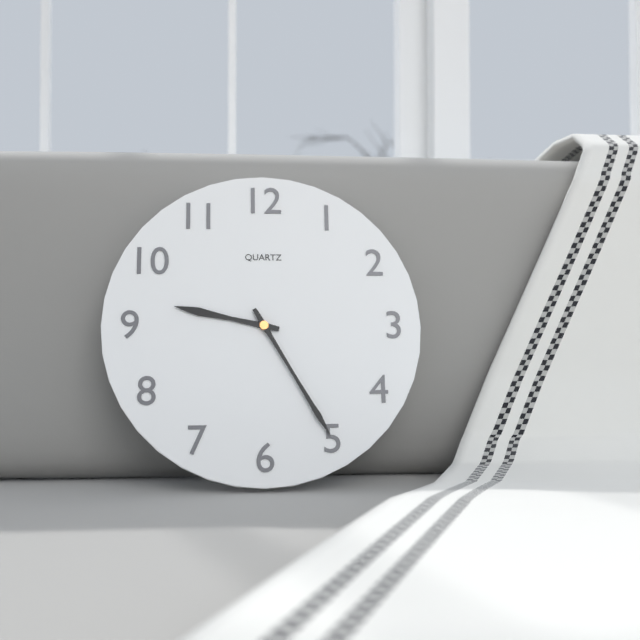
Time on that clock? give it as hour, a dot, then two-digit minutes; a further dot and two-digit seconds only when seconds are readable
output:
9.25
